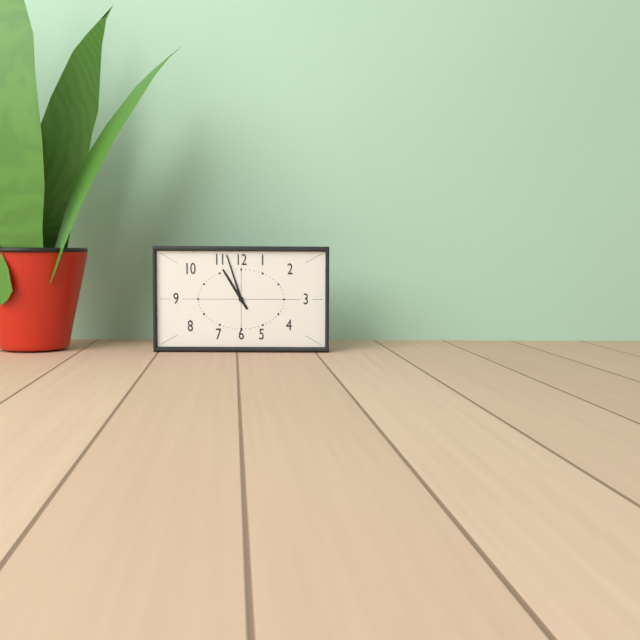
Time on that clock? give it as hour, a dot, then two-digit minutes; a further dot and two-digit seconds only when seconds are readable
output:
10.57
